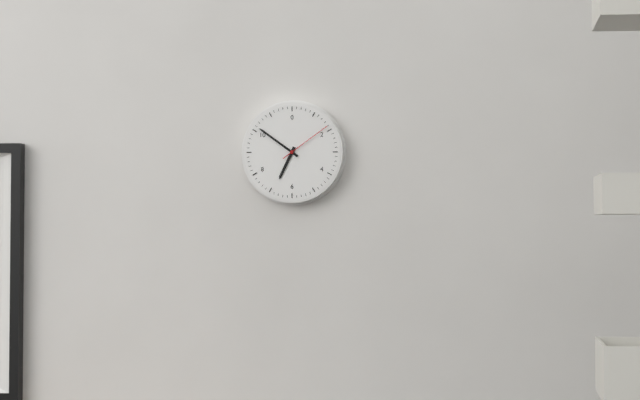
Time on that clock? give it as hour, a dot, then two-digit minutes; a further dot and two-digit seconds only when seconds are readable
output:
6.51.09
